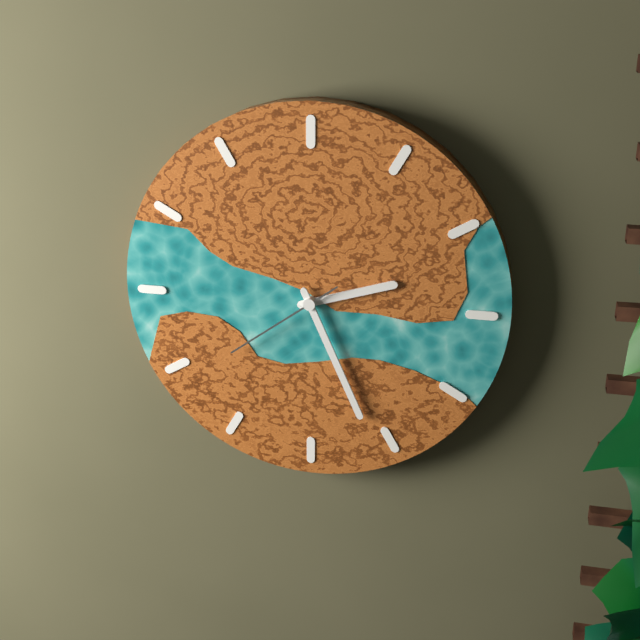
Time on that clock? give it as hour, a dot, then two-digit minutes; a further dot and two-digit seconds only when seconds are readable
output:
2.26.39
